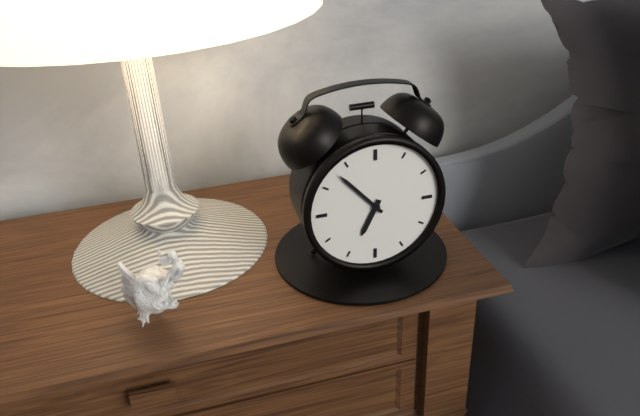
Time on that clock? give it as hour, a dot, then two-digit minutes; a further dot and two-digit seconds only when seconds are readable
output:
6.53
